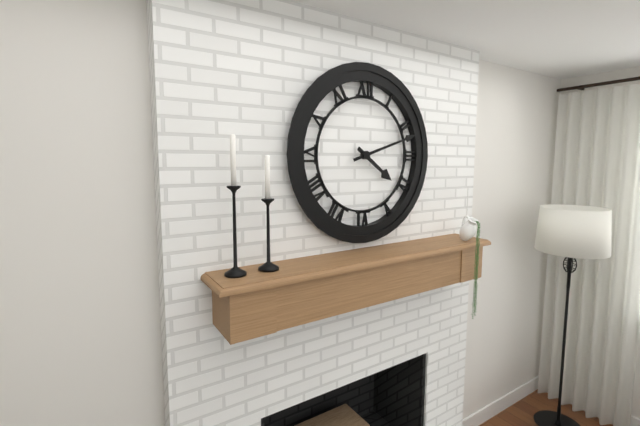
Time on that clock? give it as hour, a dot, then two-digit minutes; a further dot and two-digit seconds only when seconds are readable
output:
4.12
